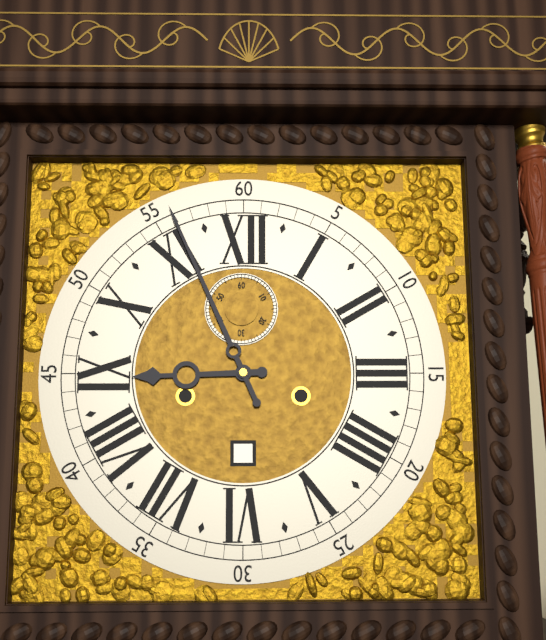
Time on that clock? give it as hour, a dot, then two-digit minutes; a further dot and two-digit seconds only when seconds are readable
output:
8.56
